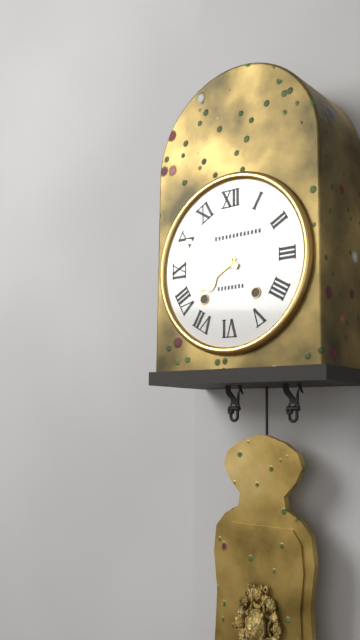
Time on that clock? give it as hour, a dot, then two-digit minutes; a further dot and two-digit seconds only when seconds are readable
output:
7.50
